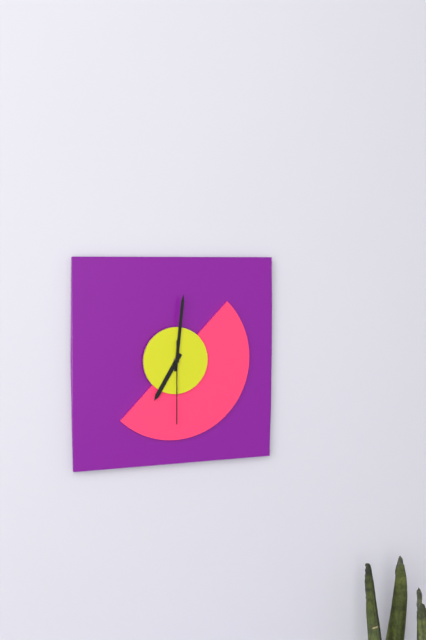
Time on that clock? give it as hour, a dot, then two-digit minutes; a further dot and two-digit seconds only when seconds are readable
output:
7.01.30
